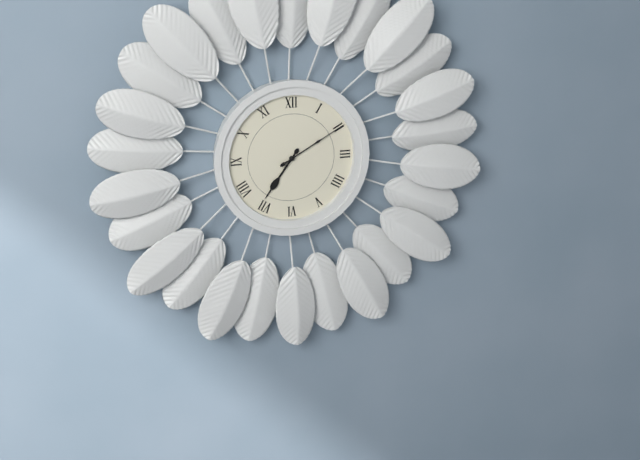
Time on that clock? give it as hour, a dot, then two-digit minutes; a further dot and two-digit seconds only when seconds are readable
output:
7.10
